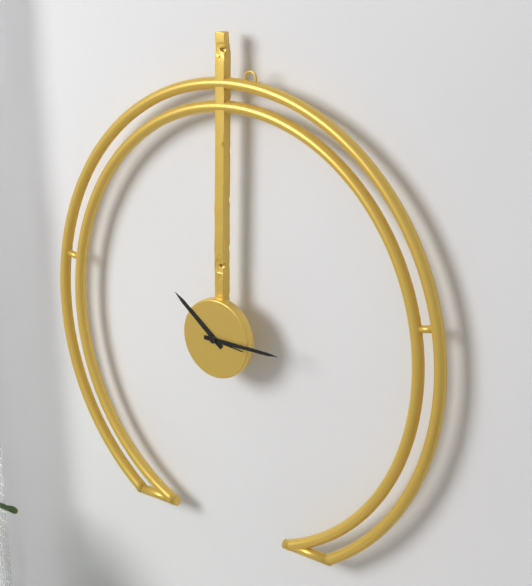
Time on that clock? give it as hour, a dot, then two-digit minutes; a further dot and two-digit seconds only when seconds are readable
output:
10.15
